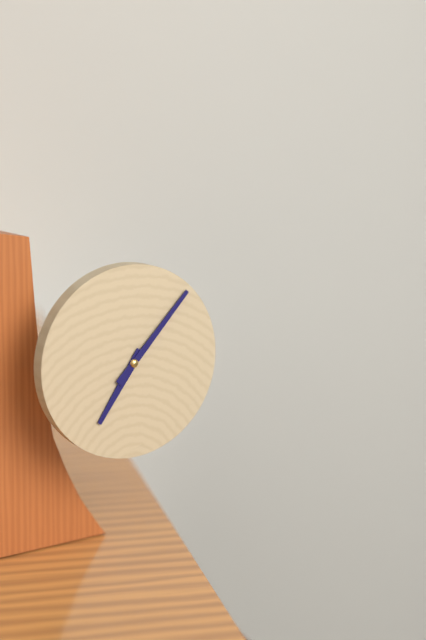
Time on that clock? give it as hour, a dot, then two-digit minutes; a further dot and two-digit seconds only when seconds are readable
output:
7.07
